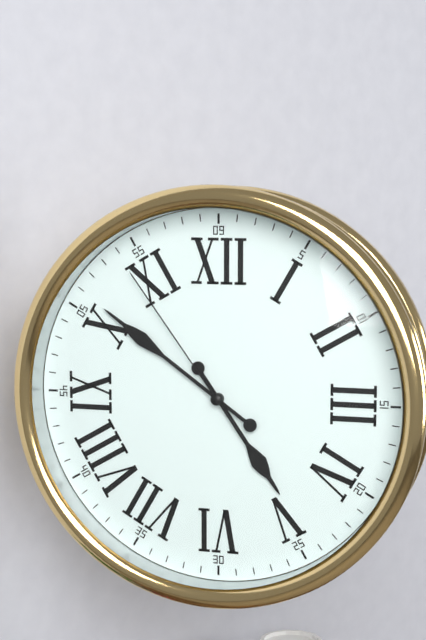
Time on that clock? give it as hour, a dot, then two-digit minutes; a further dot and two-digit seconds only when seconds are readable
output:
4.51.54
